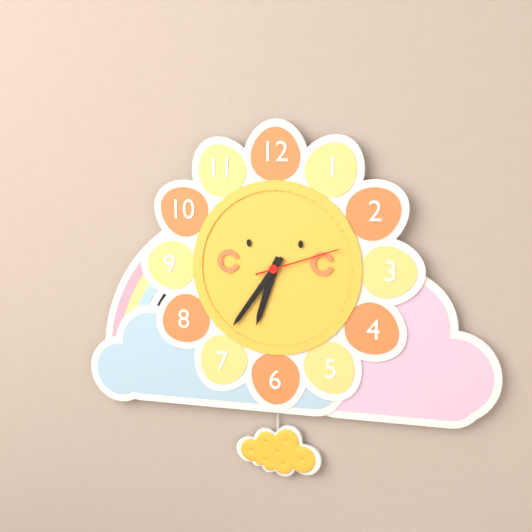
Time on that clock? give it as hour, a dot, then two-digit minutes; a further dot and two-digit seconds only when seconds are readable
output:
6.36.12
